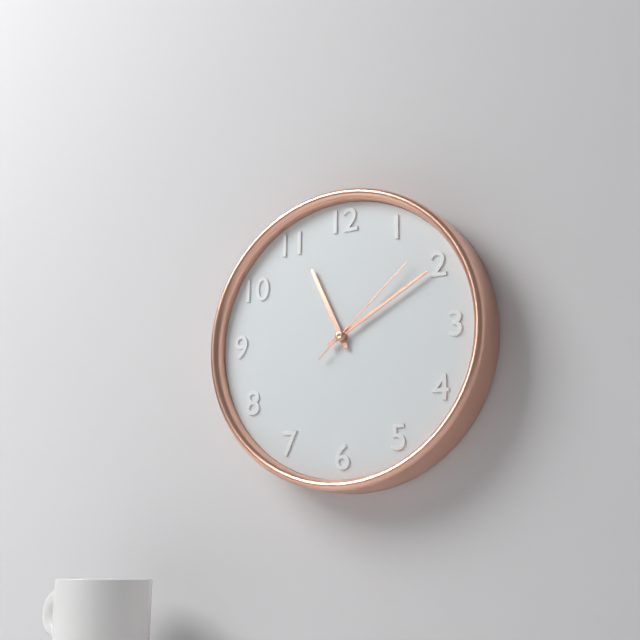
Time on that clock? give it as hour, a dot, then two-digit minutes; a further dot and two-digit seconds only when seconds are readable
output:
11.10.08
